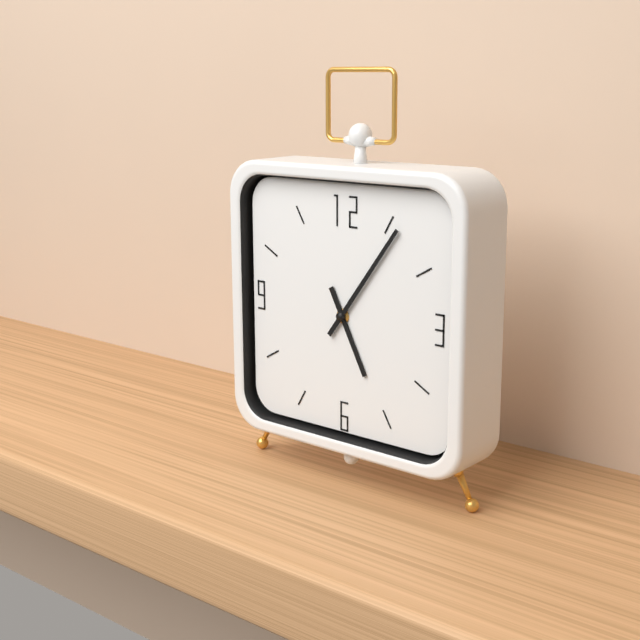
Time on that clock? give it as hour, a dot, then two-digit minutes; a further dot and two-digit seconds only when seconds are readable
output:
5.06
